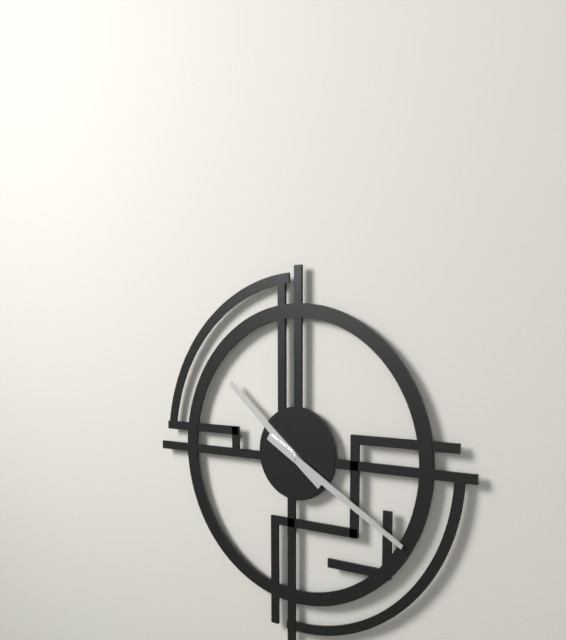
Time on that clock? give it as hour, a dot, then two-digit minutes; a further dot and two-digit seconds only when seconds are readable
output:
10.20
